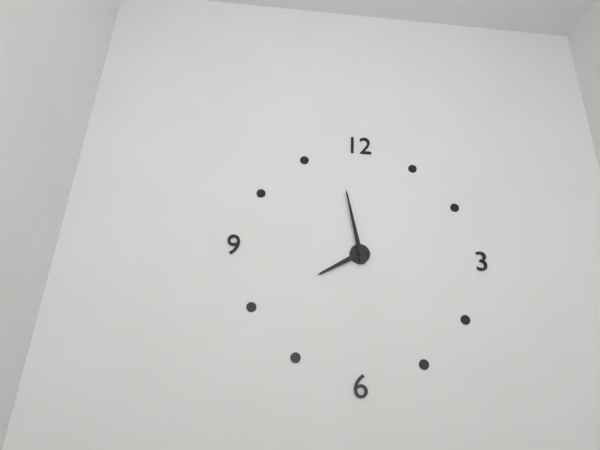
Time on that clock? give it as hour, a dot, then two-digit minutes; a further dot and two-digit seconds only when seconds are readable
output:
7.58
